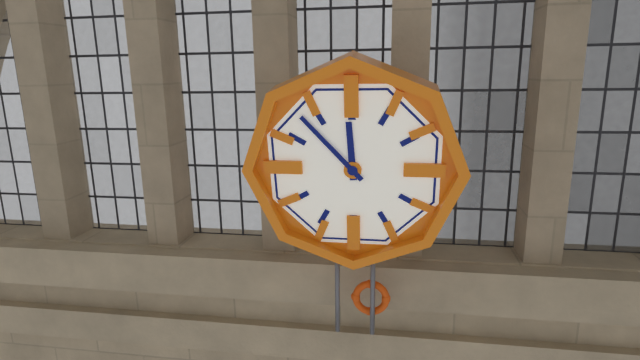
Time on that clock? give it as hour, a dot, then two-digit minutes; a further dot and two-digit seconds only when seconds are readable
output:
11.53
